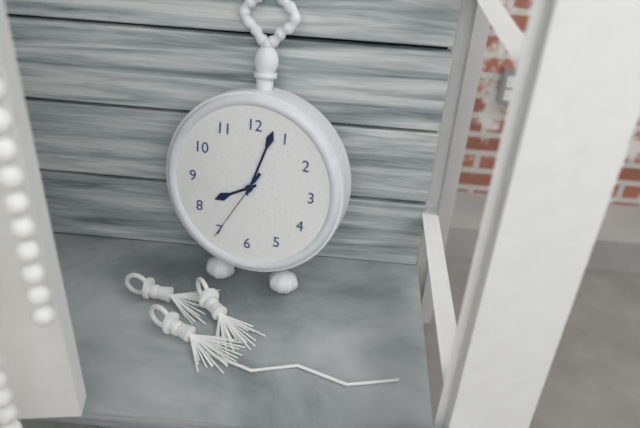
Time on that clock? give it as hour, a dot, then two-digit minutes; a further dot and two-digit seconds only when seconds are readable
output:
8.03.35
